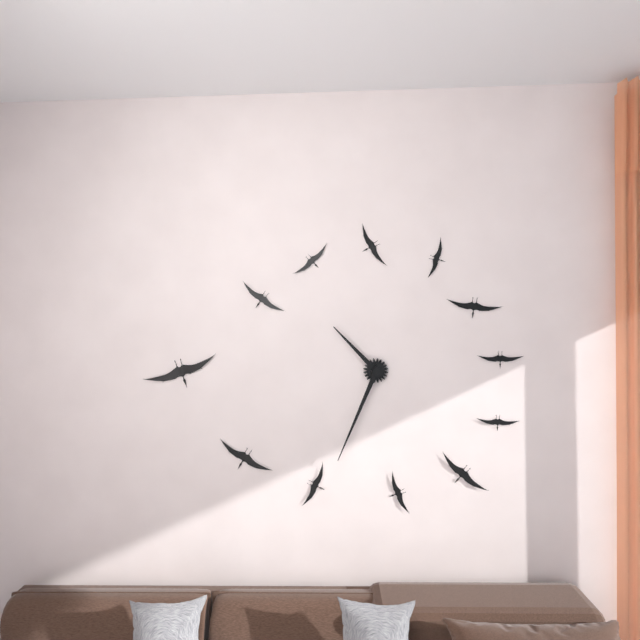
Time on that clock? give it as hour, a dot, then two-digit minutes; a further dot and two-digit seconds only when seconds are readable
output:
10.34
